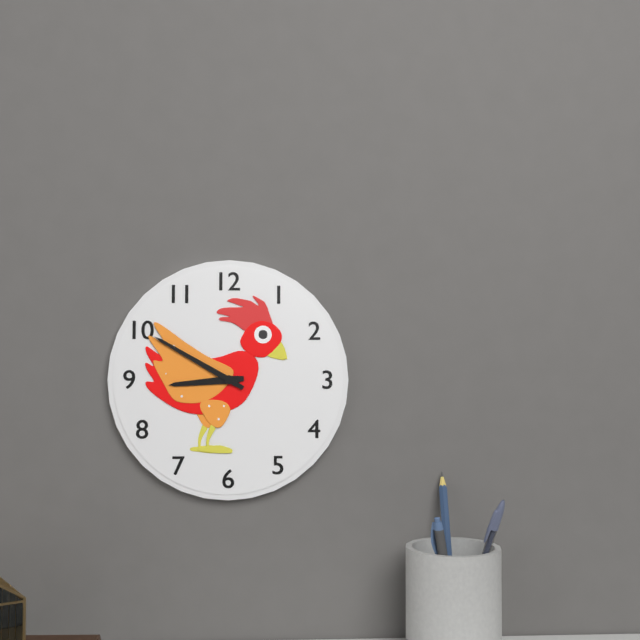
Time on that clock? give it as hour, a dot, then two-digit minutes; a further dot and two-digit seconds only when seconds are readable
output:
8.50
